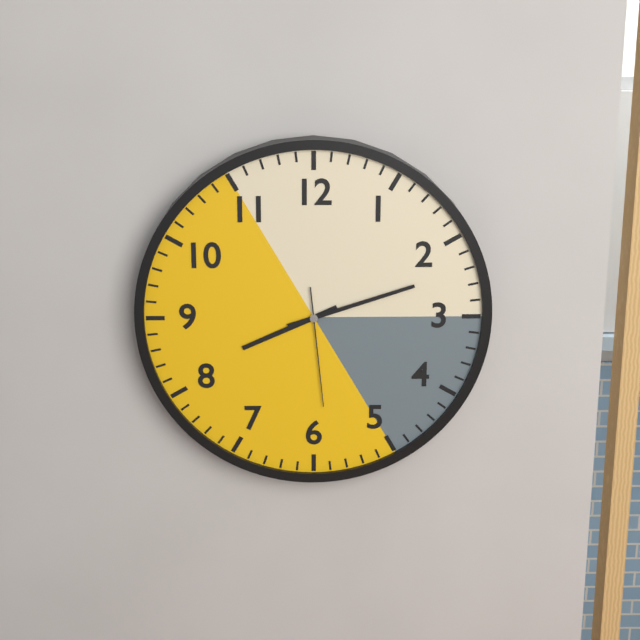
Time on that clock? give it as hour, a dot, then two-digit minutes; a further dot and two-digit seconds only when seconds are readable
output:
8.12.29
